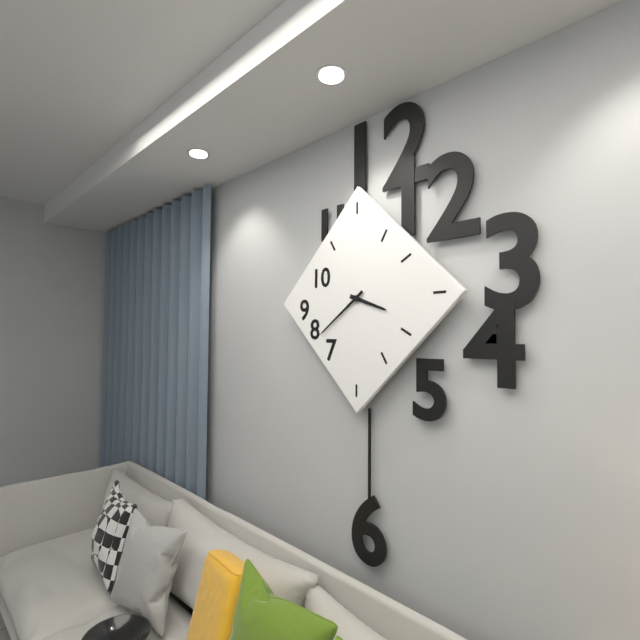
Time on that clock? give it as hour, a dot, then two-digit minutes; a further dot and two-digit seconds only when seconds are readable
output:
3.39
